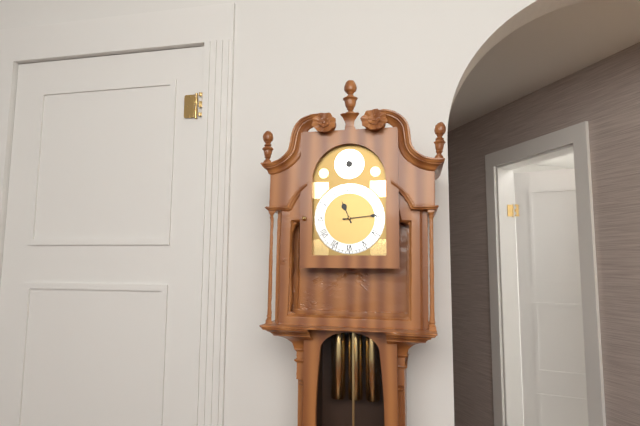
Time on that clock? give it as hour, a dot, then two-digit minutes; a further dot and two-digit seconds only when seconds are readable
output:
11.14
